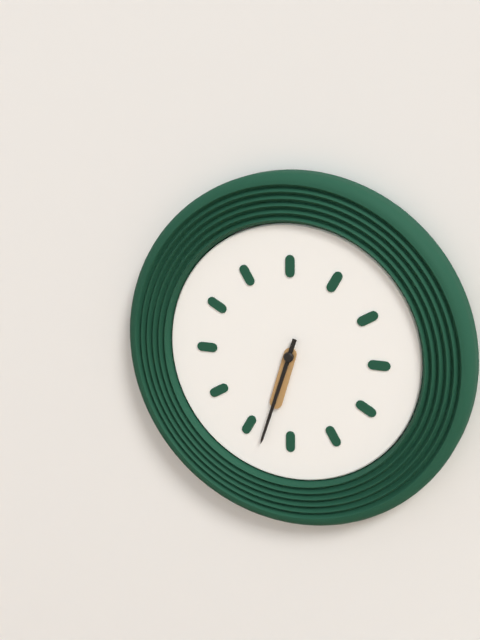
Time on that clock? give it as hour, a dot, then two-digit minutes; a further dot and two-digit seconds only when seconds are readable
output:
6.33
